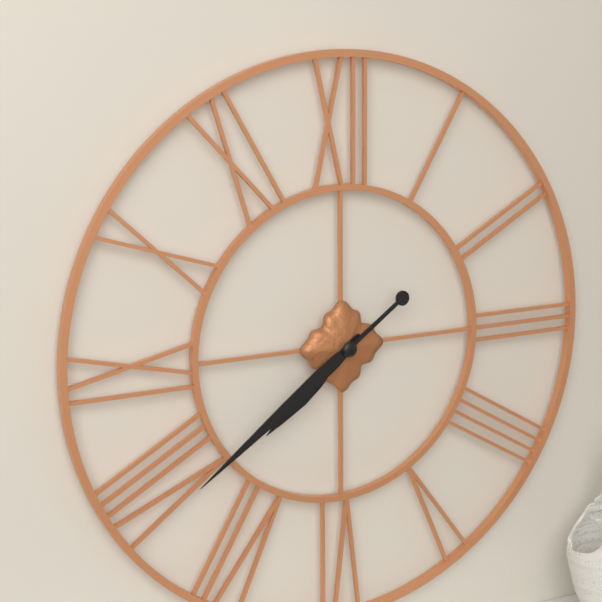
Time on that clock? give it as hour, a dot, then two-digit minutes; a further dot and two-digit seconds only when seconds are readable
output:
7.39
